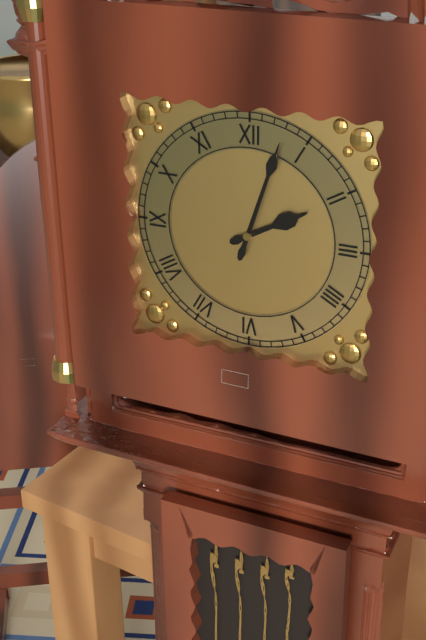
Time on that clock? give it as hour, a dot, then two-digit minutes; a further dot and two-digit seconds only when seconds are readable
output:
2.03
